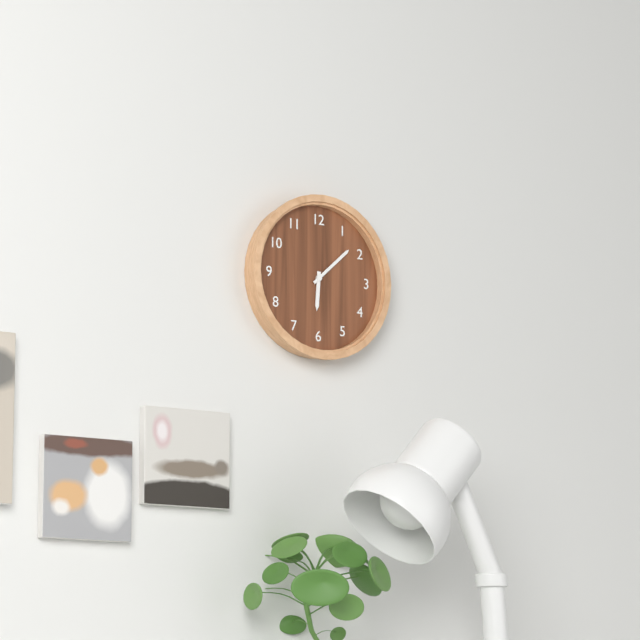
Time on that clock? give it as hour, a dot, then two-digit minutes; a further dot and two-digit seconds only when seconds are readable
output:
6.08
